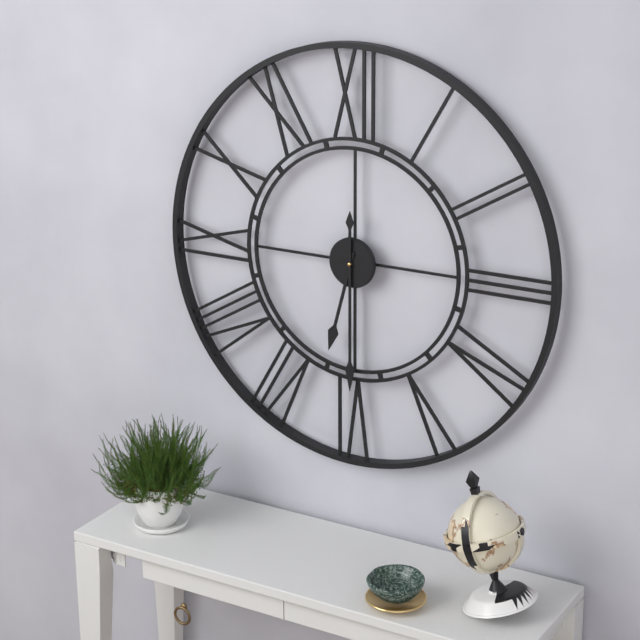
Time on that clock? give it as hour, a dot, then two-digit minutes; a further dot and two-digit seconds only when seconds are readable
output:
6.30
